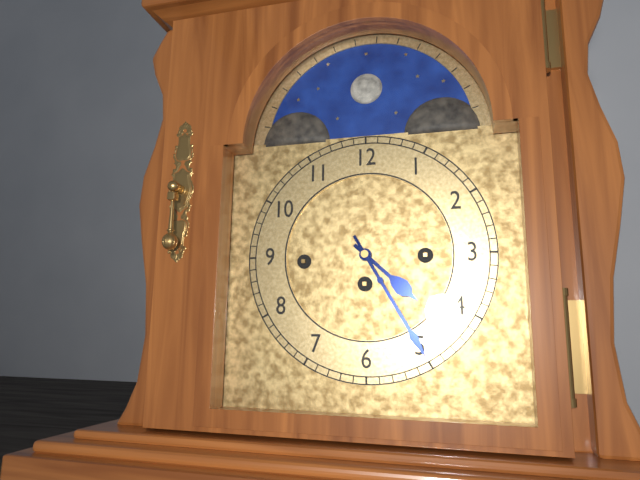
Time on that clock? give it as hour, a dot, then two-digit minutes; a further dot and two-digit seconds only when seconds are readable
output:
4.25
